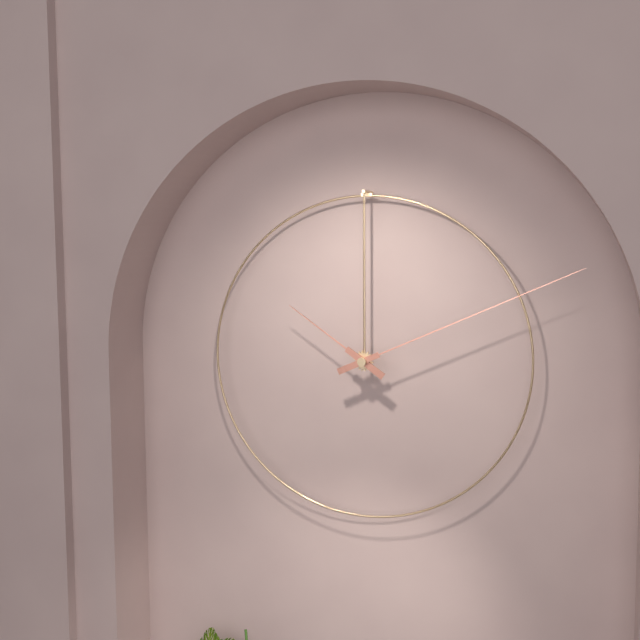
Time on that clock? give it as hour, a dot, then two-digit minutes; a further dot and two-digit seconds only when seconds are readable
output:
10.11
